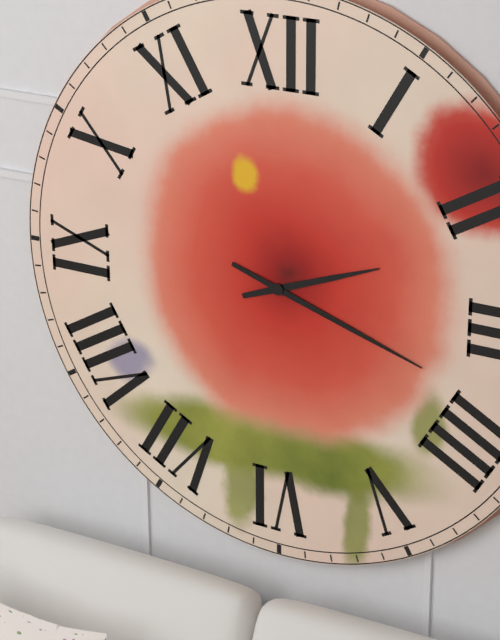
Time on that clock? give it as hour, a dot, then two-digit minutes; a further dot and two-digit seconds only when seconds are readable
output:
2.18
